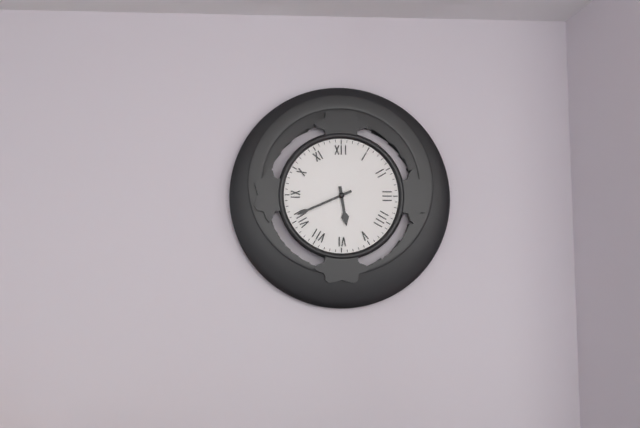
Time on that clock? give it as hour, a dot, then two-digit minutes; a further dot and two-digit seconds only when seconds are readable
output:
5.41
